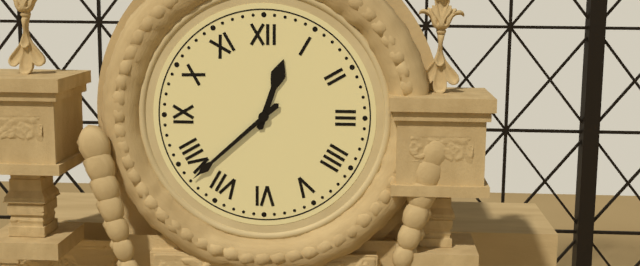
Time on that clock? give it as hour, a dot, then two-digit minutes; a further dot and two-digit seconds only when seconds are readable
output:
12.38
